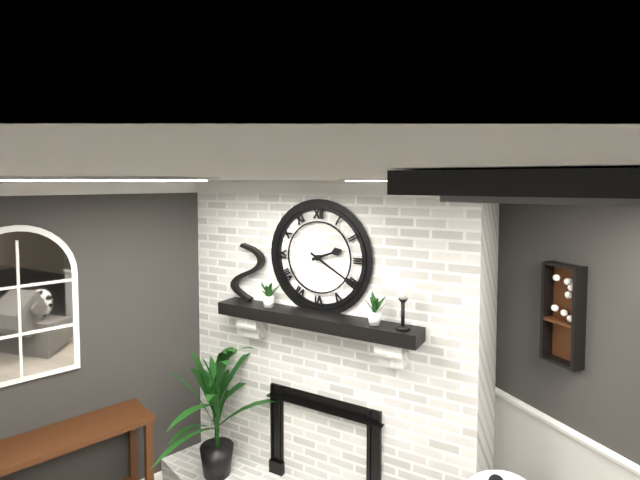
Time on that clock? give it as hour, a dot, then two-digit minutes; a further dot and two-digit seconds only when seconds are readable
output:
2.20
